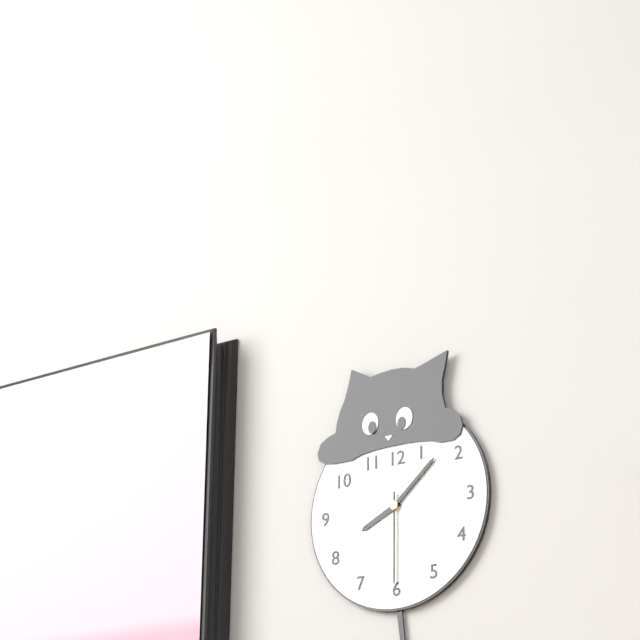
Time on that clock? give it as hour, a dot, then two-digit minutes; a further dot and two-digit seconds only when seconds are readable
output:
8.08.30
